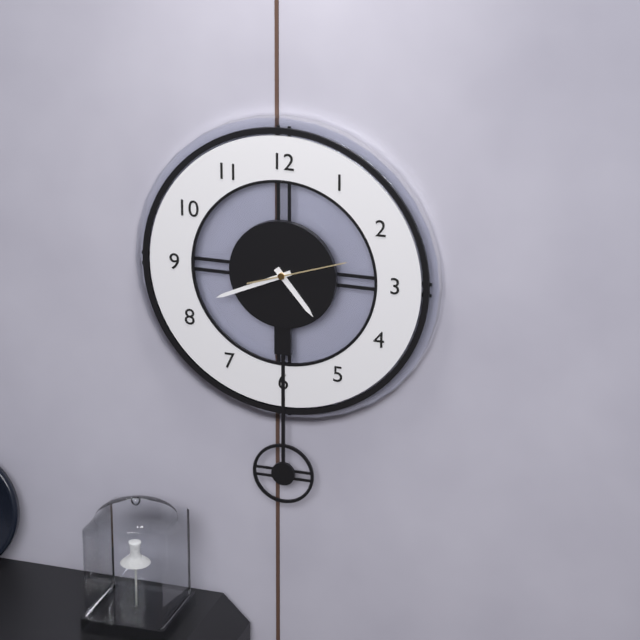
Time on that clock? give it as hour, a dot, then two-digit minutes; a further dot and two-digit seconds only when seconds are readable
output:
4.41.12
